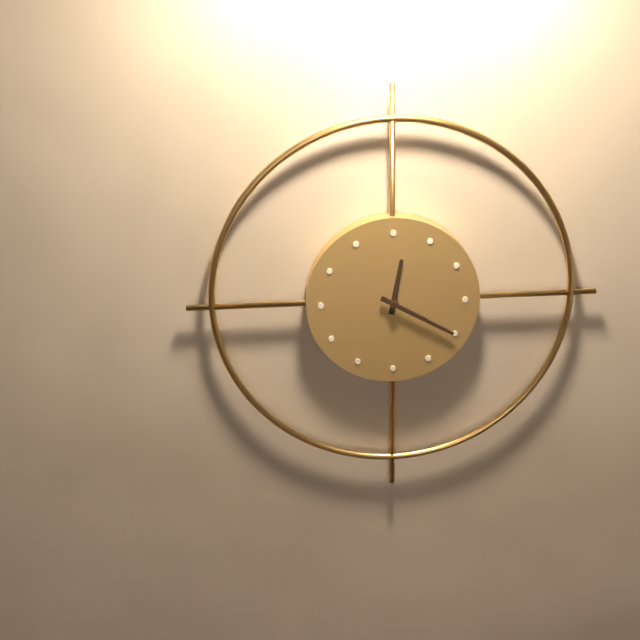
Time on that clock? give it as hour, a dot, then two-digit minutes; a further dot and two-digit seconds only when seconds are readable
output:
12.20
